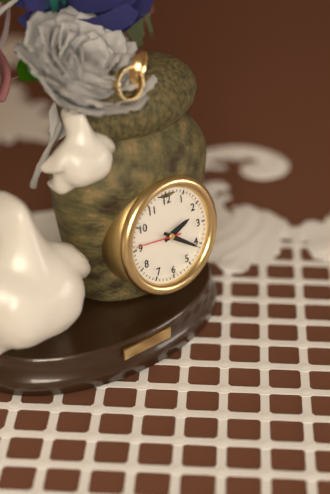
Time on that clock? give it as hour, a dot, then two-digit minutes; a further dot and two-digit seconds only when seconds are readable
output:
2.21
